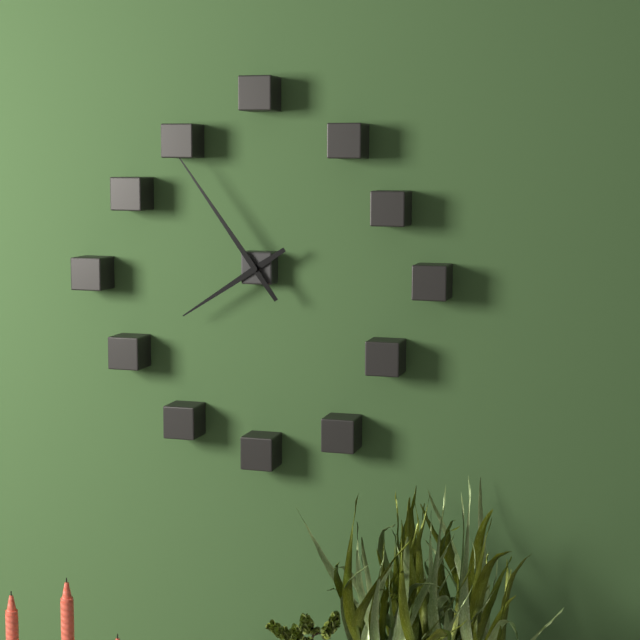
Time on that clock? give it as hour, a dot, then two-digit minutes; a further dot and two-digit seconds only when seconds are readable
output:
7.54
